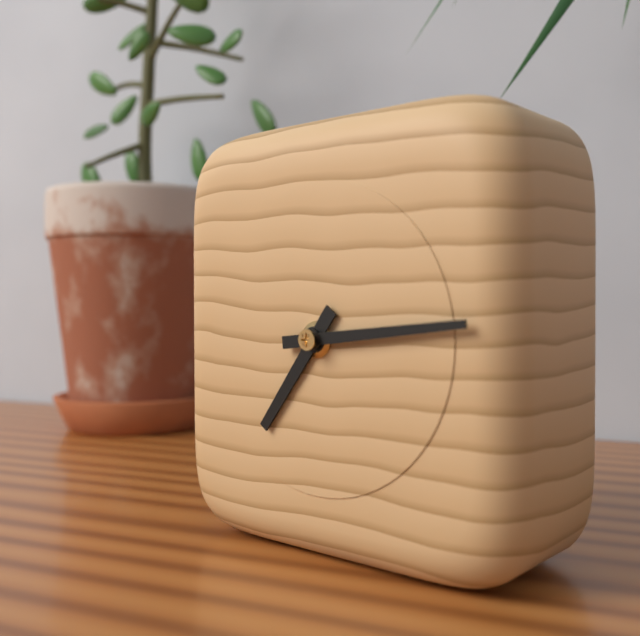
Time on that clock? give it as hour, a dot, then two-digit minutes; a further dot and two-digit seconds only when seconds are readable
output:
7.14
